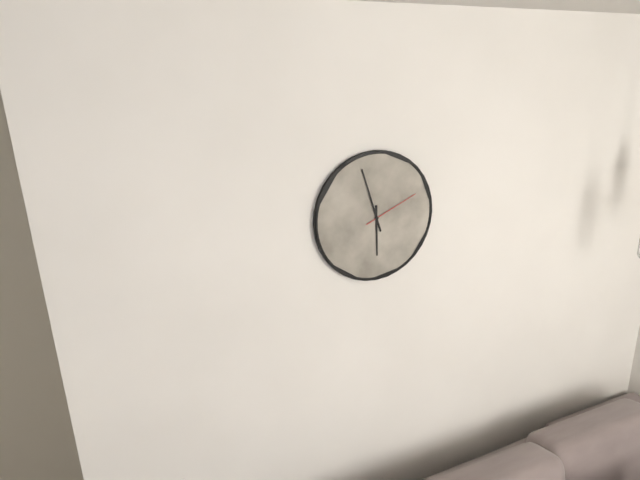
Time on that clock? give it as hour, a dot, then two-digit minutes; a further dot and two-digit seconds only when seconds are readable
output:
5.57.11
